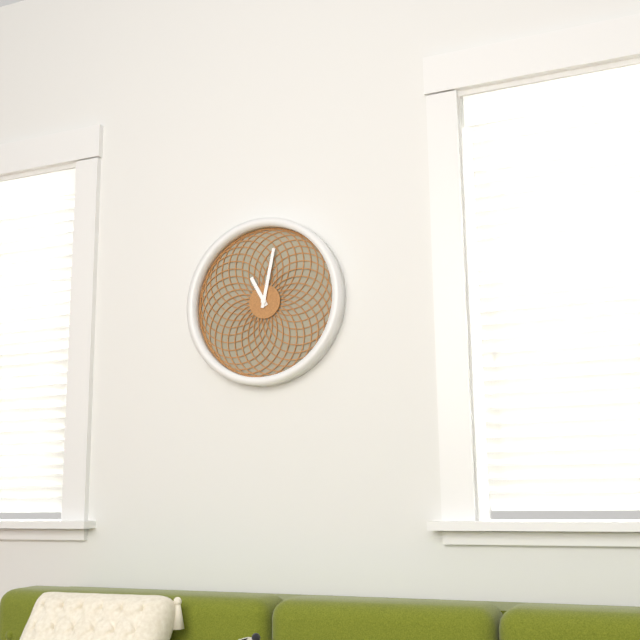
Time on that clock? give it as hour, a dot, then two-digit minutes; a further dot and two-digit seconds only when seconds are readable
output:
11.02
